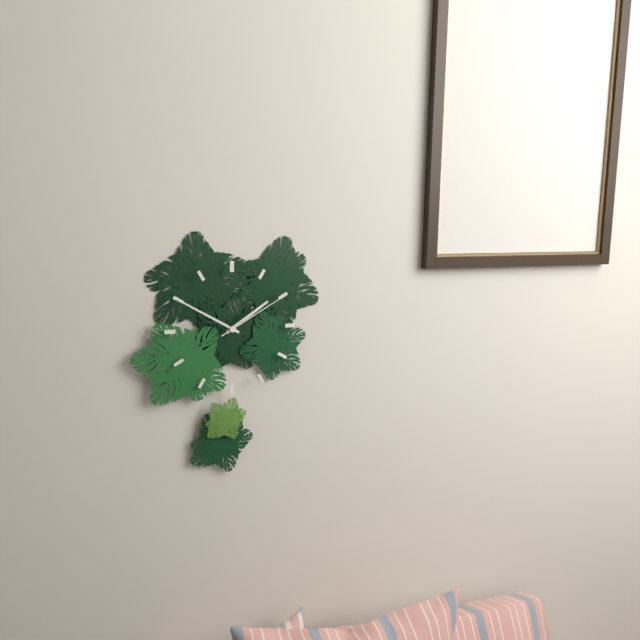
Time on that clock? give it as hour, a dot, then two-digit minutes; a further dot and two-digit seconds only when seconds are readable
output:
1.50.10
